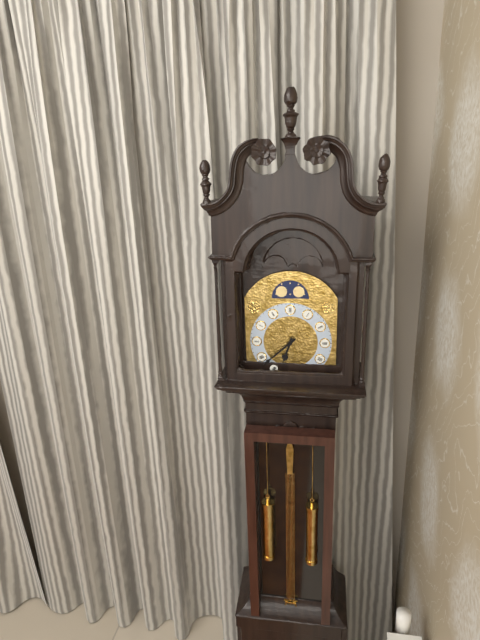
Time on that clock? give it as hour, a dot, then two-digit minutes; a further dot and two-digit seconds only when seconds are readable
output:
6.38
